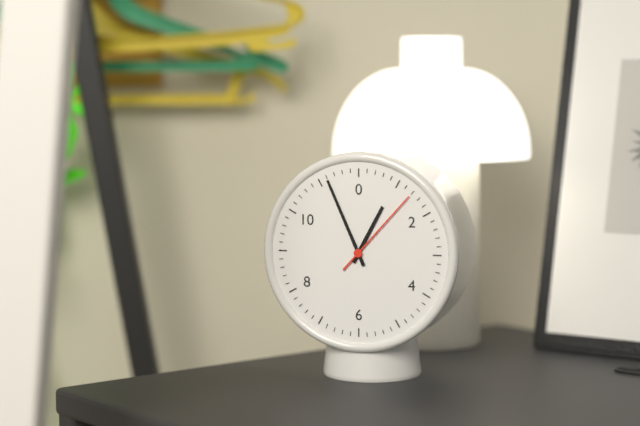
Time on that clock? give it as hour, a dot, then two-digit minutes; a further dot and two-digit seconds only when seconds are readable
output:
12.56.07
